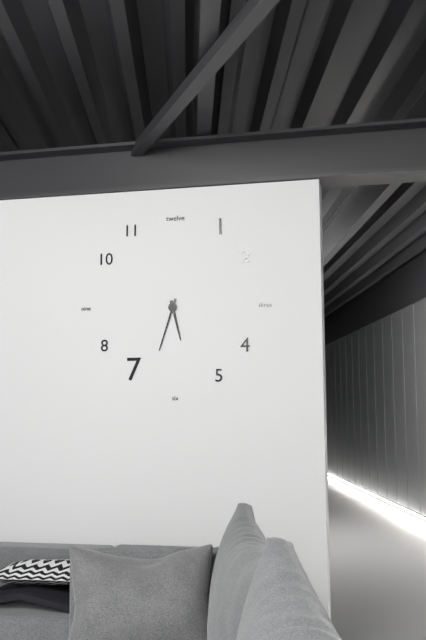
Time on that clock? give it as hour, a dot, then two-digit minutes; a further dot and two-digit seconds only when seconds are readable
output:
5.33
